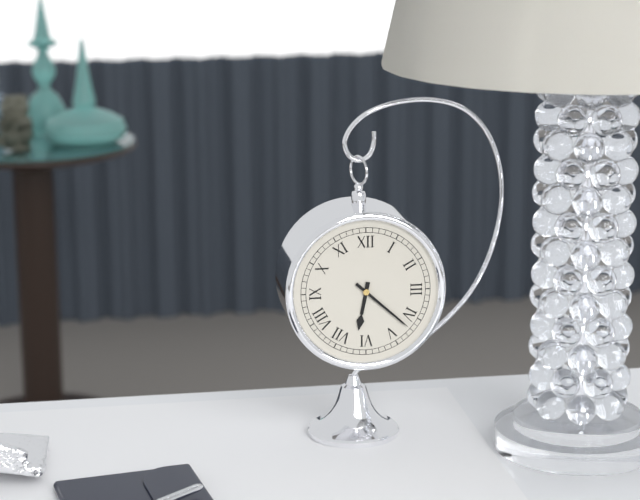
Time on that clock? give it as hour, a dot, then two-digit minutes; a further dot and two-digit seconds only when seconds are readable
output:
6.22
